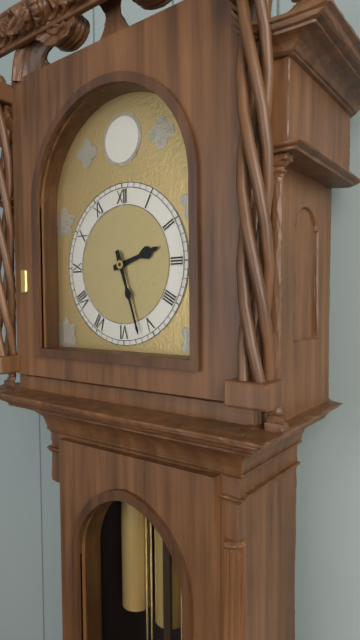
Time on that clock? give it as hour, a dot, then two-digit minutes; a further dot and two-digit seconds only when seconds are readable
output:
2.27
